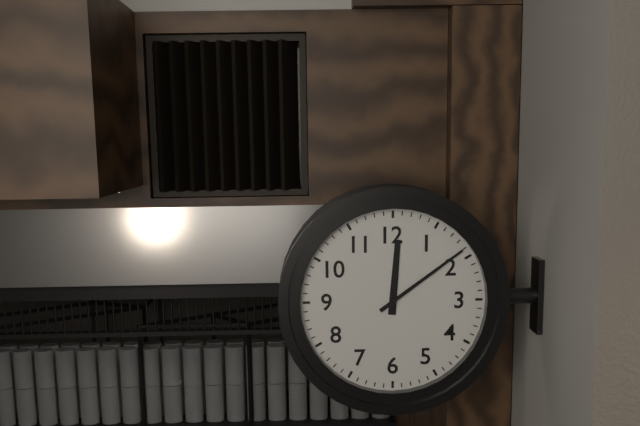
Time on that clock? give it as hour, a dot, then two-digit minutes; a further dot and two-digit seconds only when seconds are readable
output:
12.09
